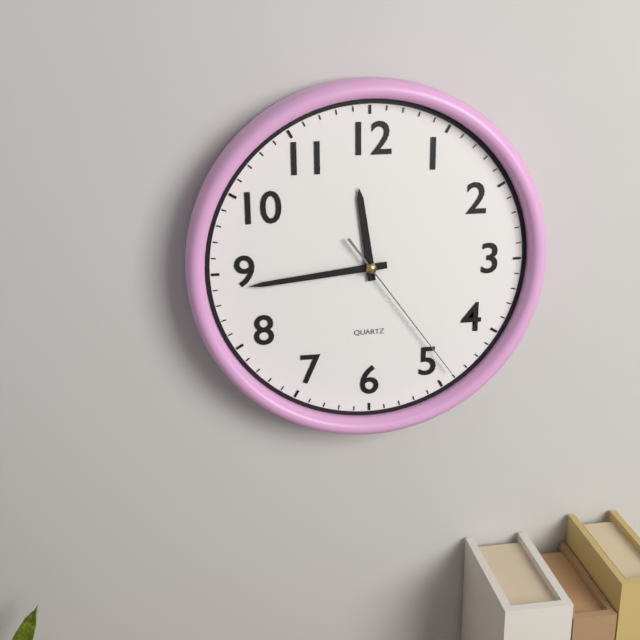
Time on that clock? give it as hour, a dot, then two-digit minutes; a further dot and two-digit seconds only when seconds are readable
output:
11.44.24
